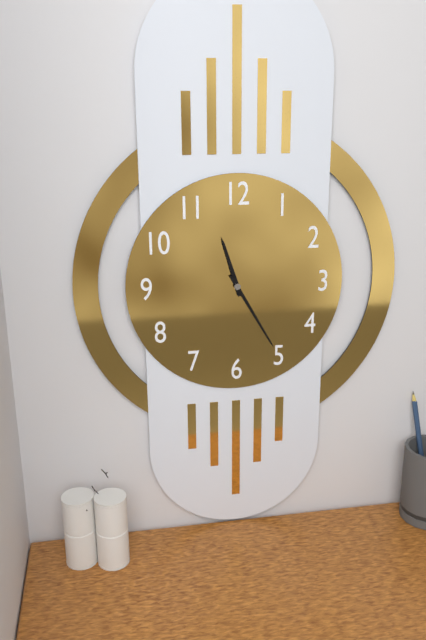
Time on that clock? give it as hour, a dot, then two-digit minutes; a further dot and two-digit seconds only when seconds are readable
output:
11.25
